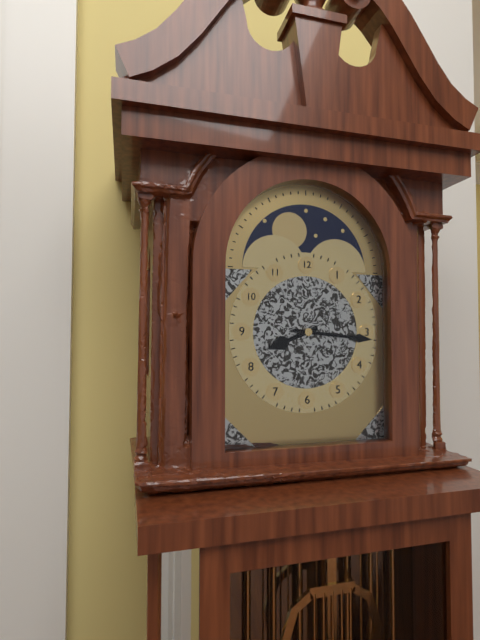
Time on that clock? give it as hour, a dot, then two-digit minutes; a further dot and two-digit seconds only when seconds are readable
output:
8.16
